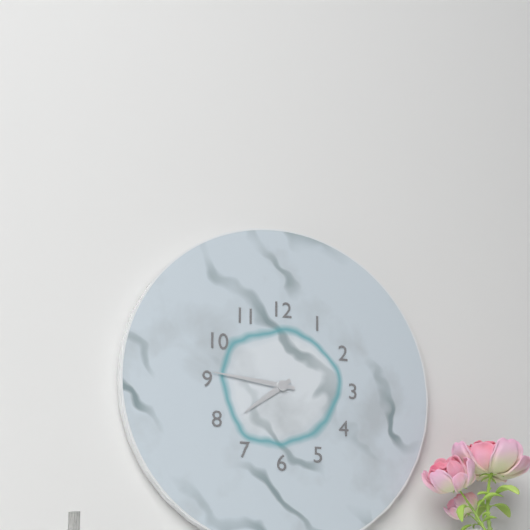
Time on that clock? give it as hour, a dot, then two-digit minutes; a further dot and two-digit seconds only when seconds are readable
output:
7.46
